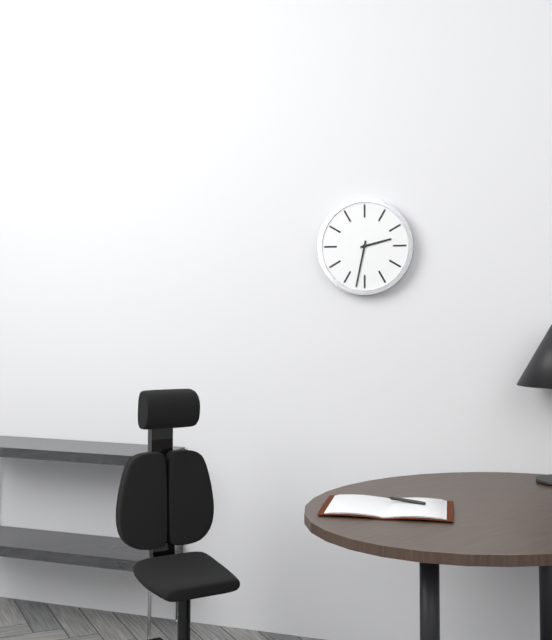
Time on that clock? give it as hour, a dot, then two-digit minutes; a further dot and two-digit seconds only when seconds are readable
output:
2.32
